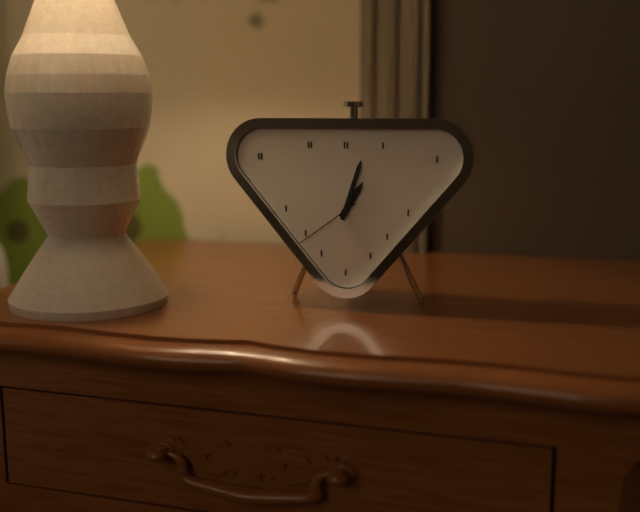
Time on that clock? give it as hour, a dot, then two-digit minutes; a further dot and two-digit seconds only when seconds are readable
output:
1.03.39
